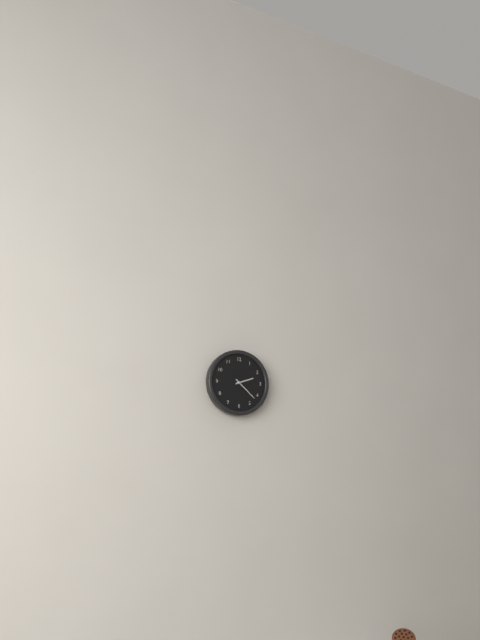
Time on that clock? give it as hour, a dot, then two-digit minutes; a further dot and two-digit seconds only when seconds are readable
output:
2.22
